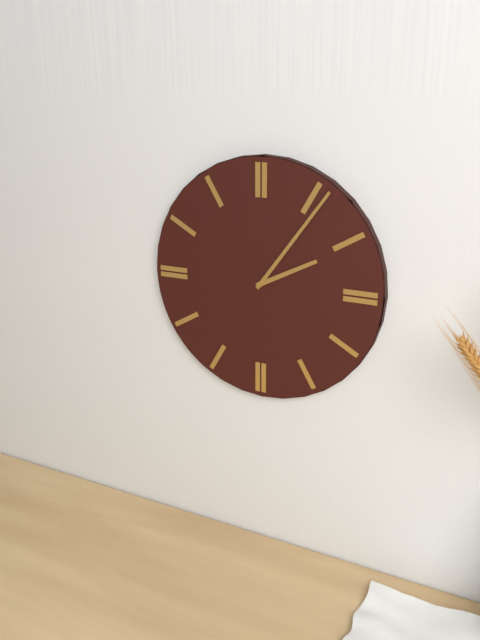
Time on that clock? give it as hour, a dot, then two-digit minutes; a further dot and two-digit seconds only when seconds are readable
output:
2.06
